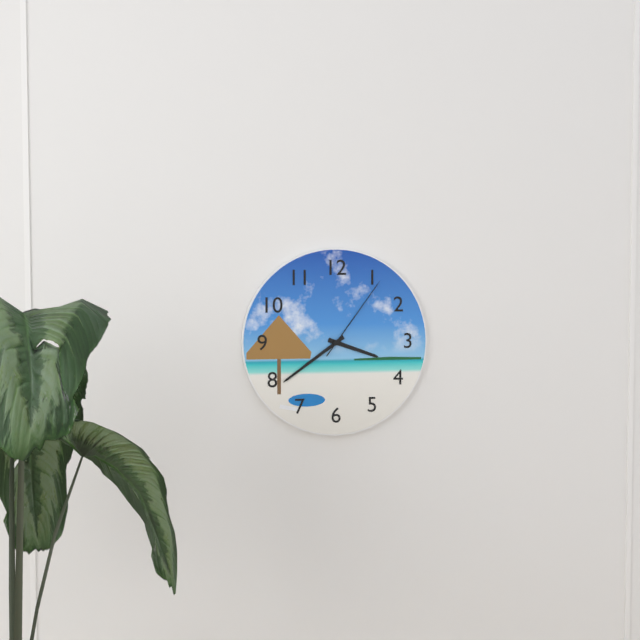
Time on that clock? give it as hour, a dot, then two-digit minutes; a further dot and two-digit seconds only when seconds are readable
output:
3.39.06
